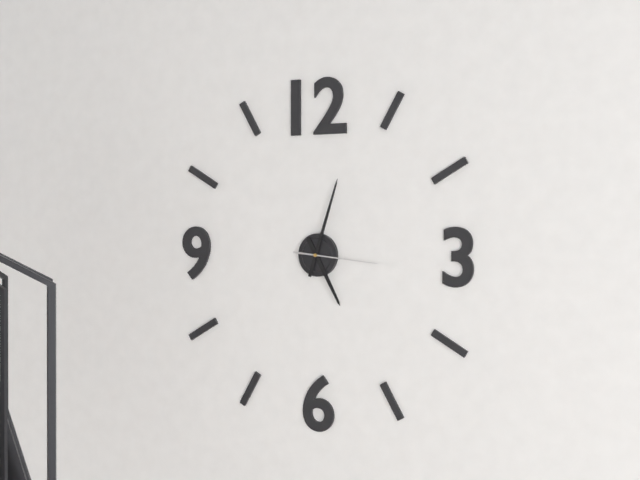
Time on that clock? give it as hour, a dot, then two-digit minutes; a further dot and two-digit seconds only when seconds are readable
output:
5.03.16
